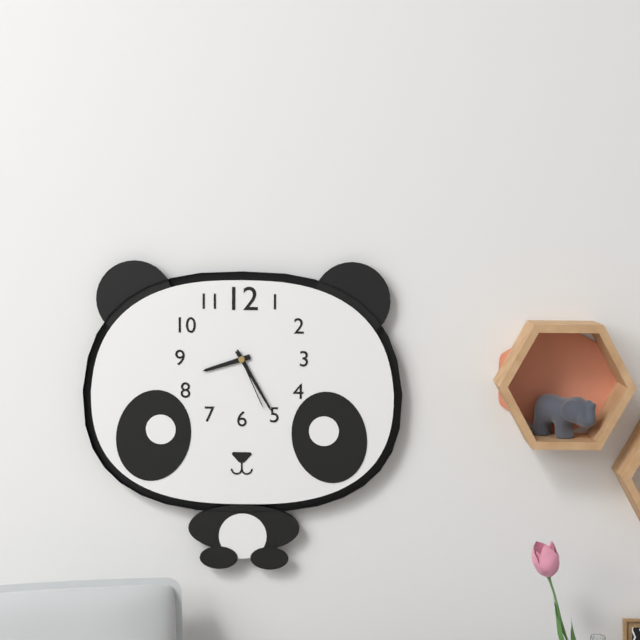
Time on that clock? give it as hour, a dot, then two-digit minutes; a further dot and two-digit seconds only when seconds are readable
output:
8.25.26
